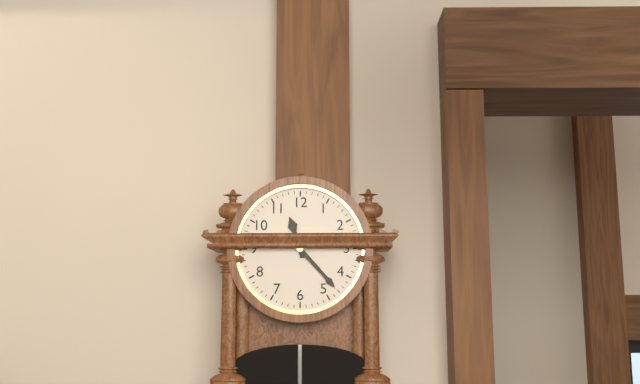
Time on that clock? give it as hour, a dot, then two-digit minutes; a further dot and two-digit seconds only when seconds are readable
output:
11.23
